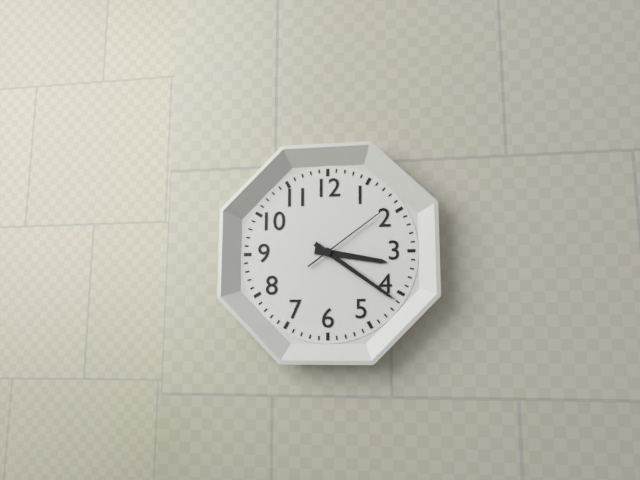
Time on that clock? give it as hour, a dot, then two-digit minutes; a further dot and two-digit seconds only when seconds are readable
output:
3.21.09
